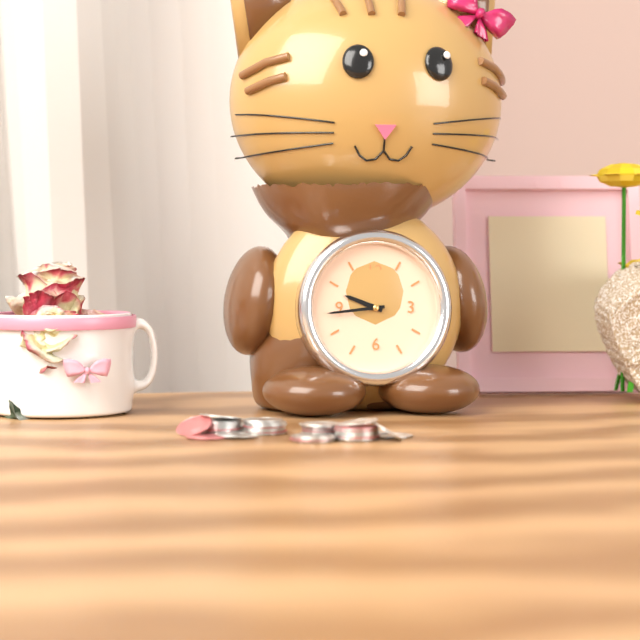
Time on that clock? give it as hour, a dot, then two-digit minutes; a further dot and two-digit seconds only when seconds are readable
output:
9.44
